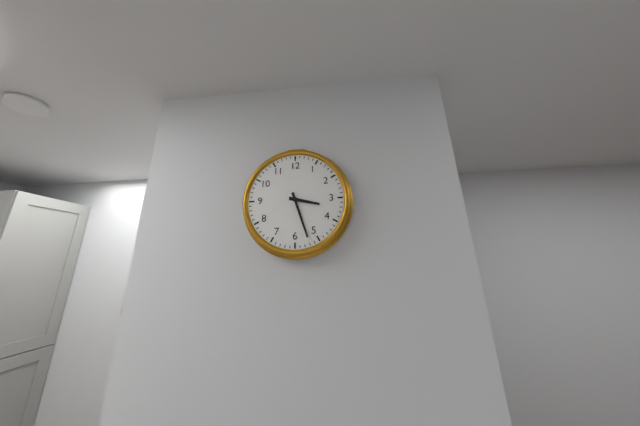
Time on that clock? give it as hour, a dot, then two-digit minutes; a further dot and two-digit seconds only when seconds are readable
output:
3.27
